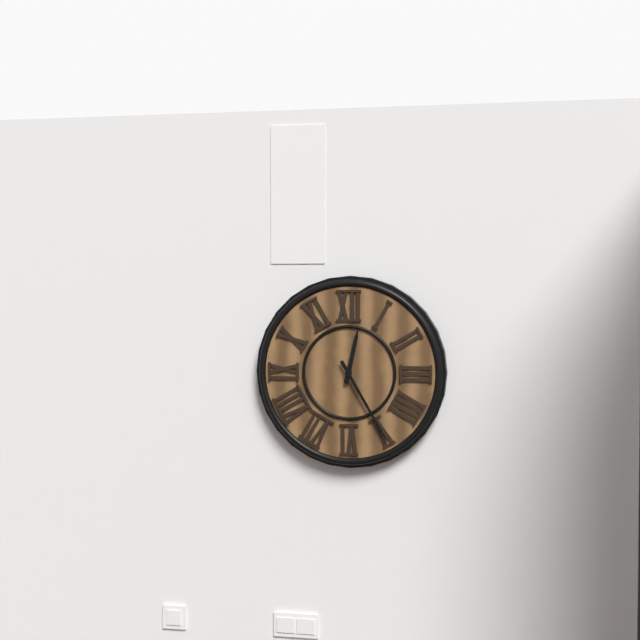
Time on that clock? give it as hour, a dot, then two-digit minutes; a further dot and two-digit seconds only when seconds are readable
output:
12.25
